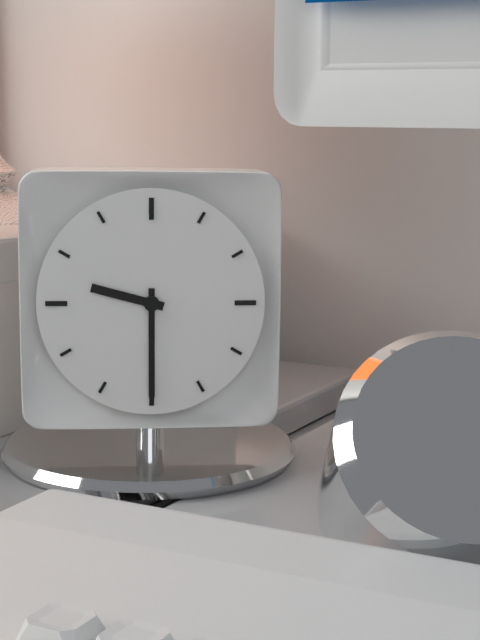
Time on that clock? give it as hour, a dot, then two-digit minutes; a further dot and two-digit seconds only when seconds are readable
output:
9.30
